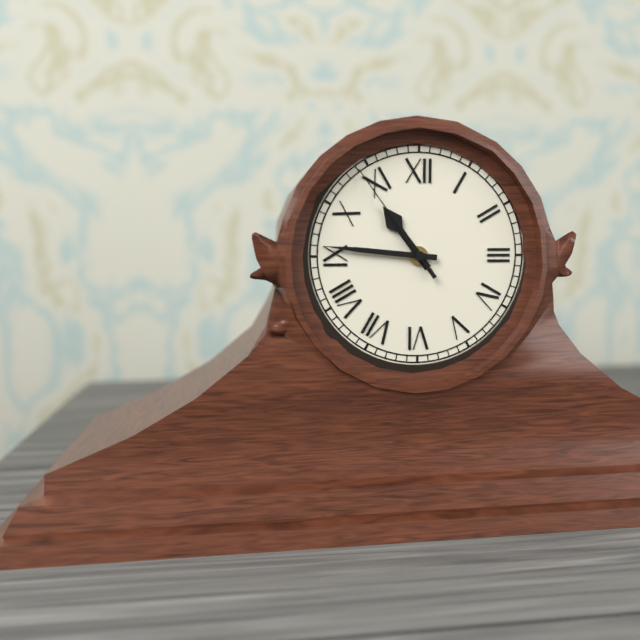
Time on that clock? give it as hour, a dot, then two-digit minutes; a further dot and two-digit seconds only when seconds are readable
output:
10.46.54
